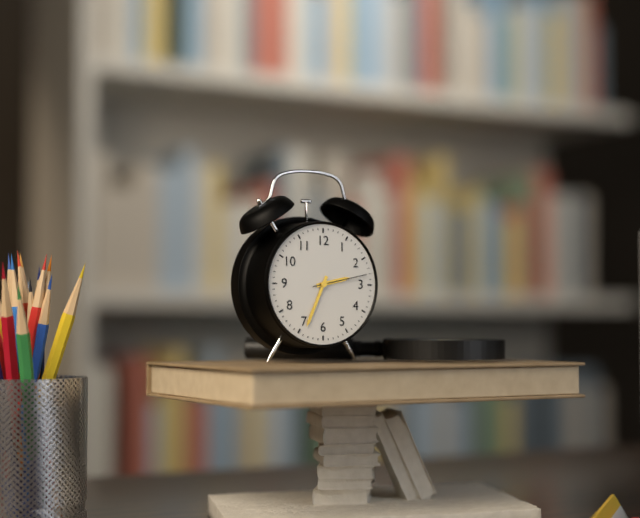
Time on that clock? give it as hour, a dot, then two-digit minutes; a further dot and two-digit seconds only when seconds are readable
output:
2.34.13
